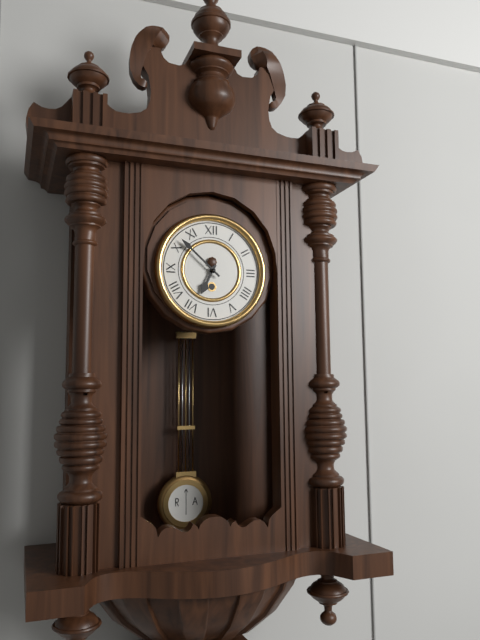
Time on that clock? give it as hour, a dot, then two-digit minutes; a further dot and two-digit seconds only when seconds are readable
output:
6.52
